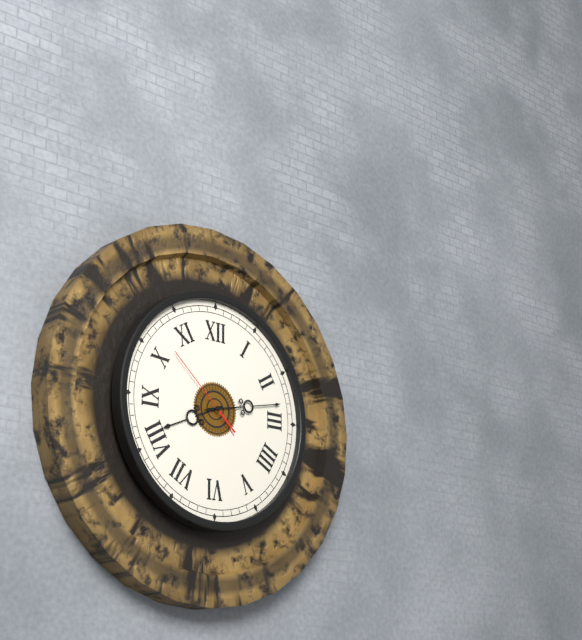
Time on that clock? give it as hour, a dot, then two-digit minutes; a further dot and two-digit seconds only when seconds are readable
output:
8.13.52
